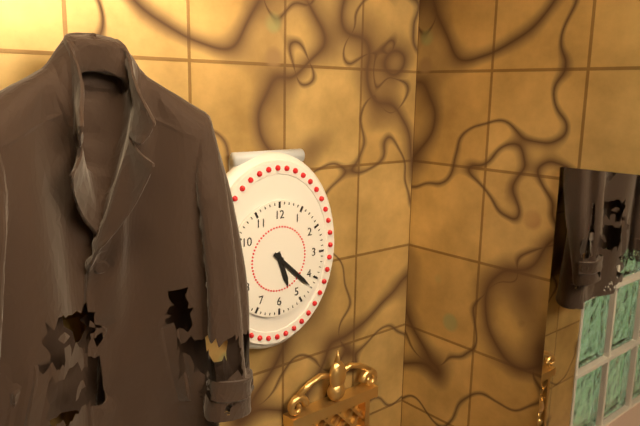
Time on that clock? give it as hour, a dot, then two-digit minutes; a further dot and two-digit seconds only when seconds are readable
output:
5.22
